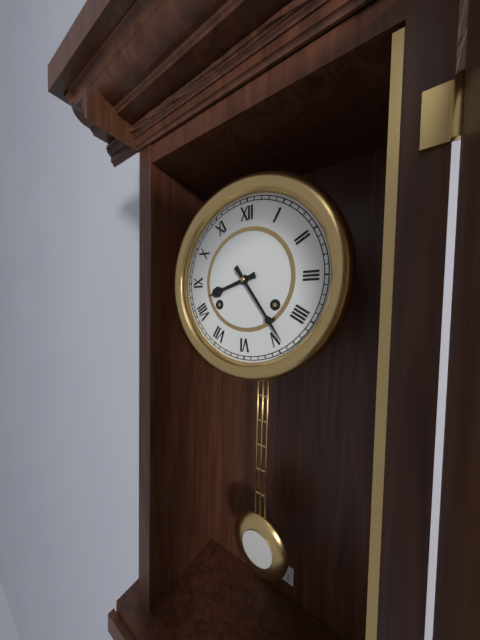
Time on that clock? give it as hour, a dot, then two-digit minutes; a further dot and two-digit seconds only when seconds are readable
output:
8.24
